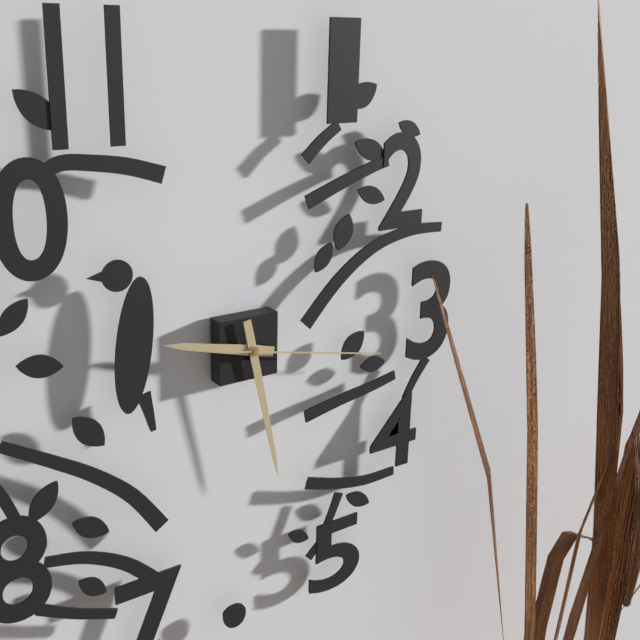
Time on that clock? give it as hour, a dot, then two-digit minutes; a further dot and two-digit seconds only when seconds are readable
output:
9.28.17
